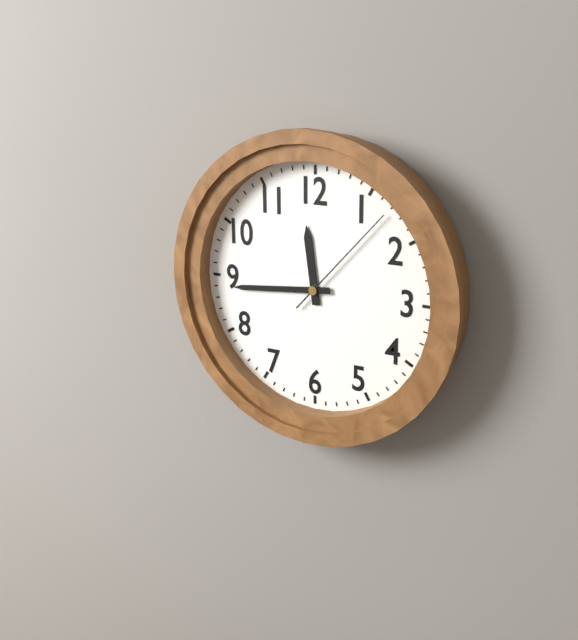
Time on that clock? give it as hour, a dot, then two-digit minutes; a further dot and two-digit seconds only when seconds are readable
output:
11.44.07
